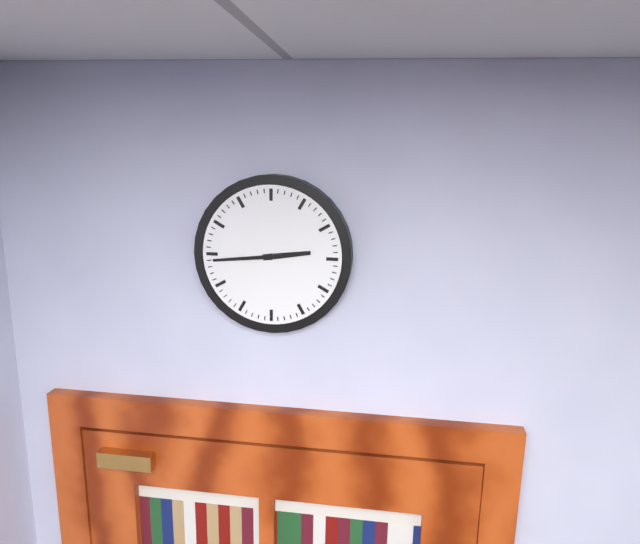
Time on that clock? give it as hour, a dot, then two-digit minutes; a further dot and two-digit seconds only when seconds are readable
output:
2.44
